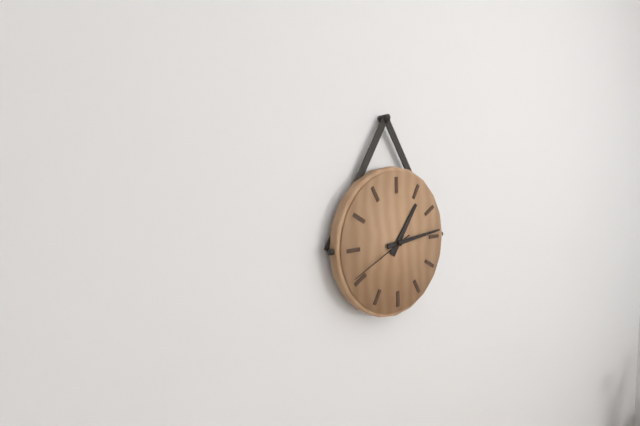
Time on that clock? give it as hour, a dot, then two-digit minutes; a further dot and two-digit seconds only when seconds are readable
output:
1.14.41
